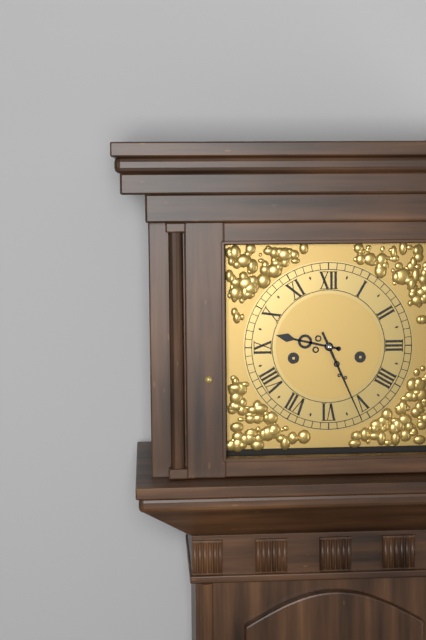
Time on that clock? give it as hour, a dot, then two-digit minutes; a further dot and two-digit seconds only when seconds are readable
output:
9.26
